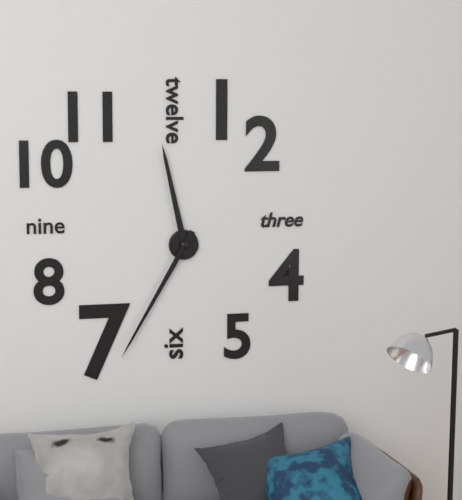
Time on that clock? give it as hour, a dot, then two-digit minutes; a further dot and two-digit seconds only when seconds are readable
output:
11.35
